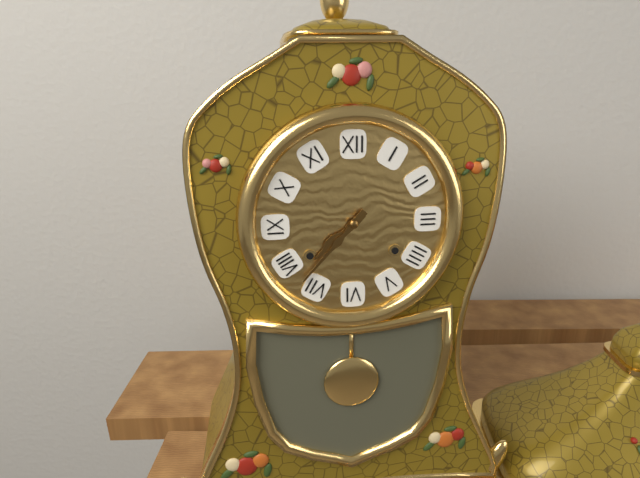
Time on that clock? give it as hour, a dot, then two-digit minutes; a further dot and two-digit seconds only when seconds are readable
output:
7.37
